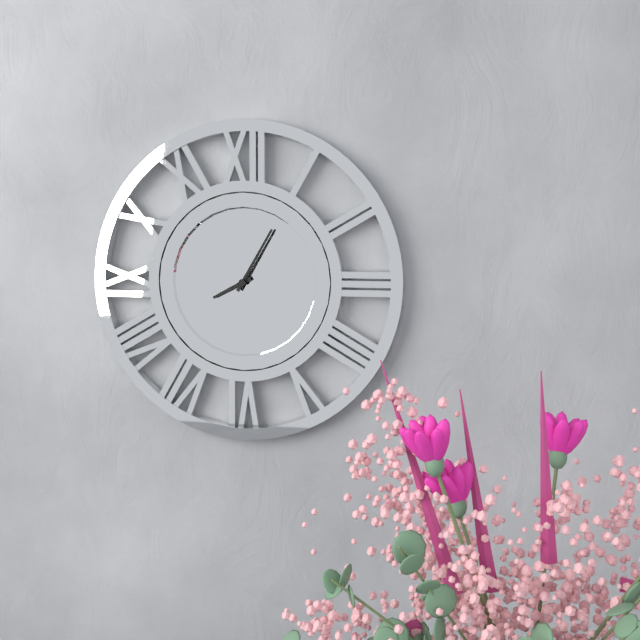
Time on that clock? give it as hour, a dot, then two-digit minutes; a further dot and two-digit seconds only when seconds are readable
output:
8.05
